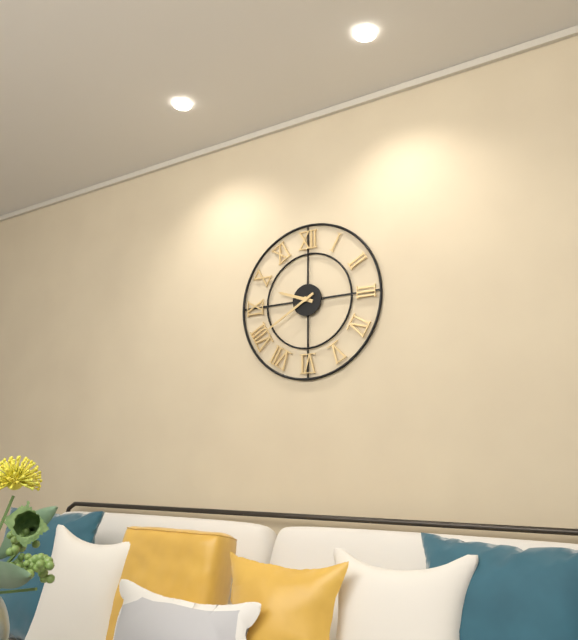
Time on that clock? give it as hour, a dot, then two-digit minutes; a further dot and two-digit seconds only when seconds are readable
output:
9.40
